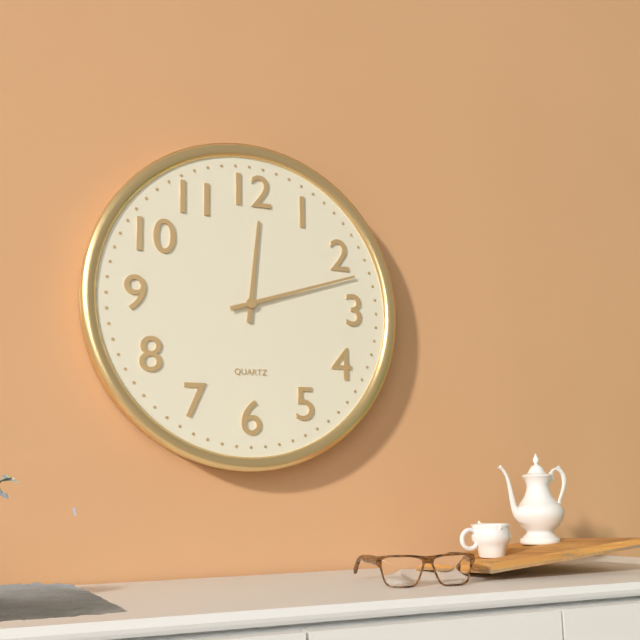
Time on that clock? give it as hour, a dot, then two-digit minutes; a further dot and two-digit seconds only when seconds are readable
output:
12.12
